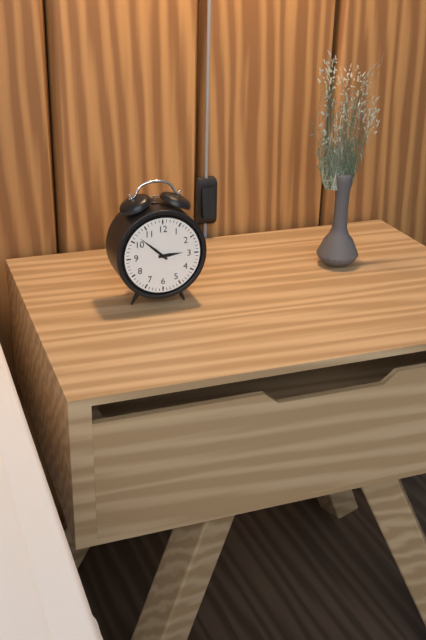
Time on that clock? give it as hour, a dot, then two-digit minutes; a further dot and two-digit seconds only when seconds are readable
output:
2.52
